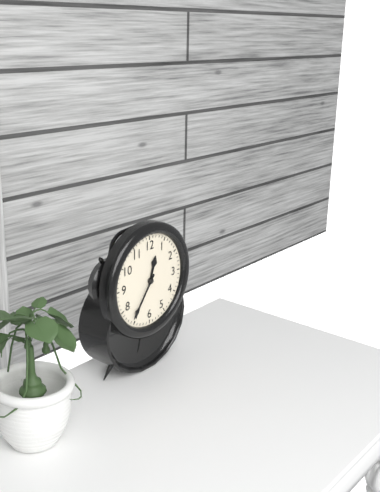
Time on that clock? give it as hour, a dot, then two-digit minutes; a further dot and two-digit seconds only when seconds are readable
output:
12.36
